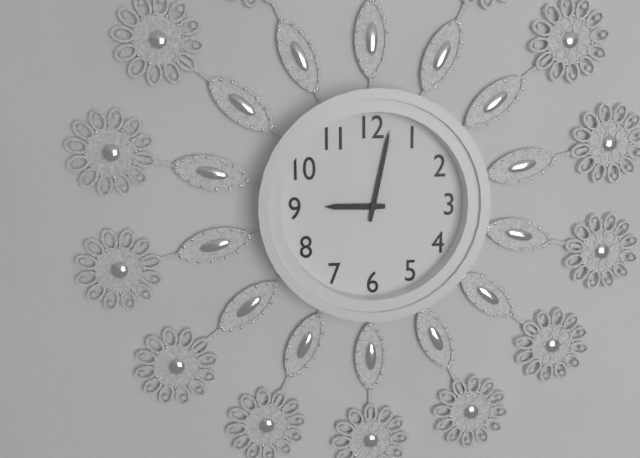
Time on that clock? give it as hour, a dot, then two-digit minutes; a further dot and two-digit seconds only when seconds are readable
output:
9.02
